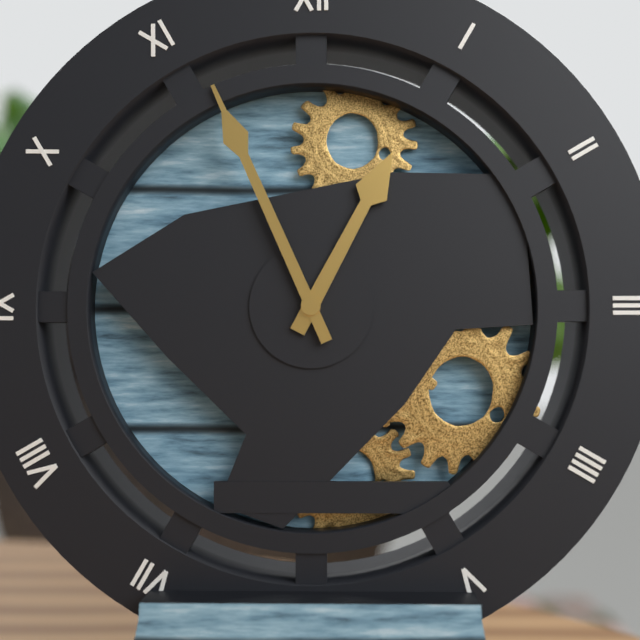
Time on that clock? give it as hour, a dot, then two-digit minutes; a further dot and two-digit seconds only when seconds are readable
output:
12.56
